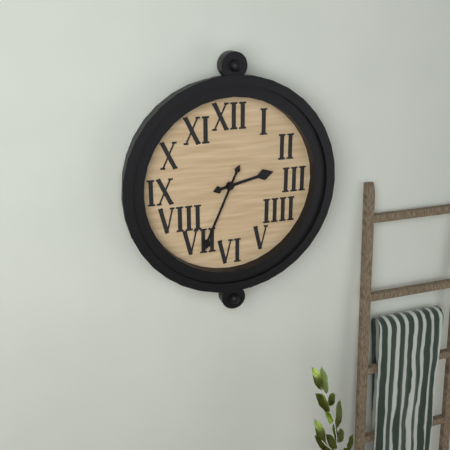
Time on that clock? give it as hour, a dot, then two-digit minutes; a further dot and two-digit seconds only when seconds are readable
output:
2.34
